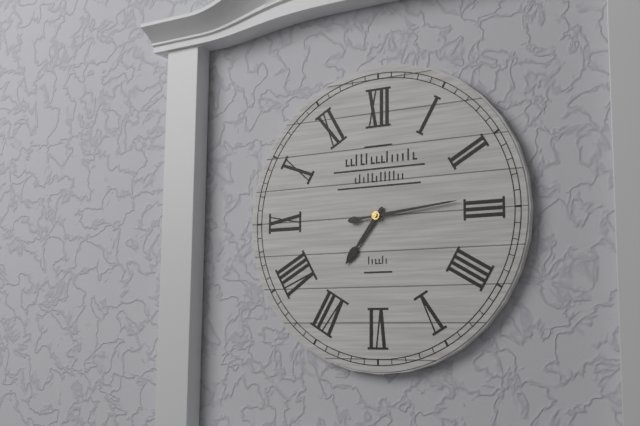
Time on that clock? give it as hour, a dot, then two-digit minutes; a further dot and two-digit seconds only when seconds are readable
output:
7.14
